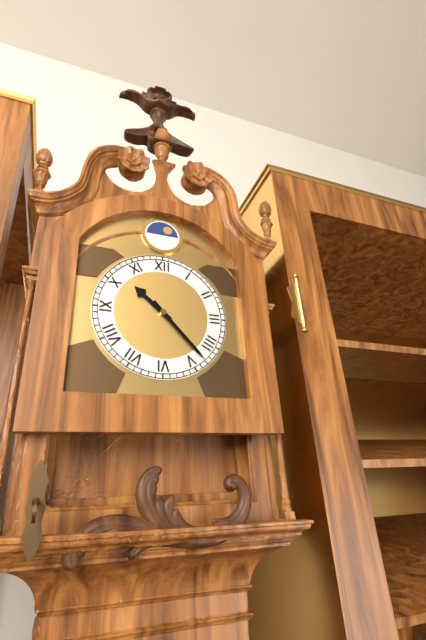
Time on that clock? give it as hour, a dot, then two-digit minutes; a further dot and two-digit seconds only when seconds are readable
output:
10.23
